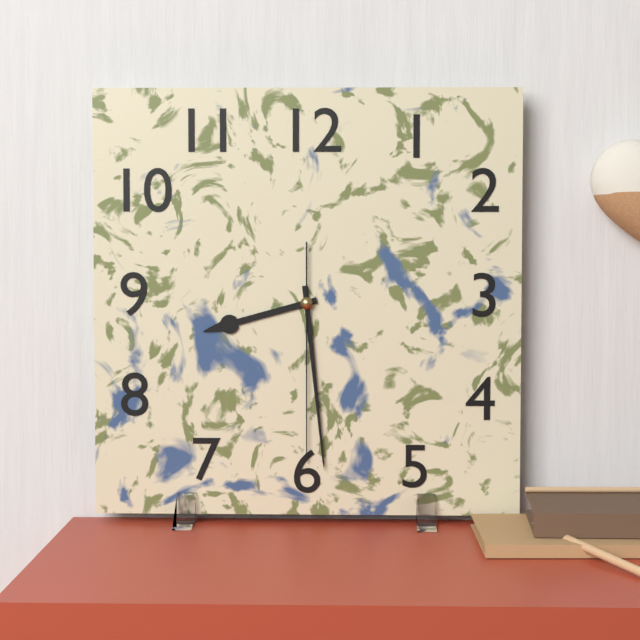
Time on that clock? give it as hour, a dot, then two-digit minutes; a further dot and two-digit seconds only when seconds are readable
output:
8.29.30
